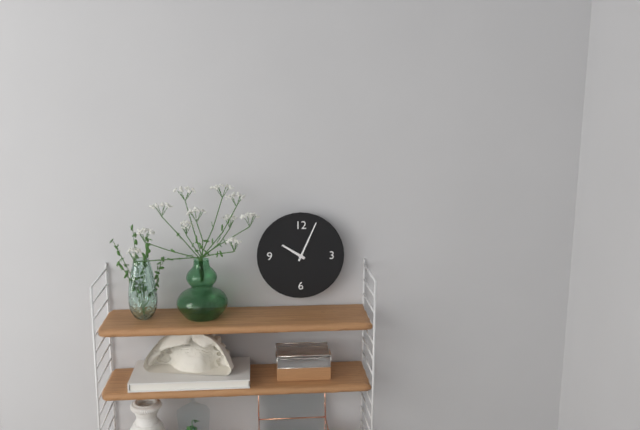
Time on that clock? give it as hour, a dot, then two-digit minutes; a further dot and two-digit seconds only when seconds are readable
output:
10.04
